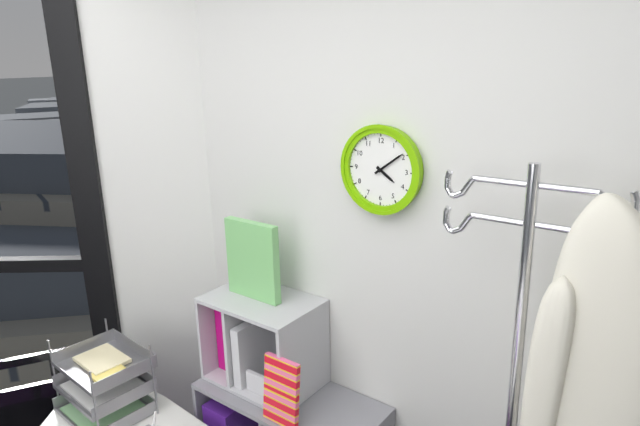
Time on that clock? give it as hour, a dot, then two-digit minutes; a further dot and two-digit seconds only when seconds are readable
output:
4.09
